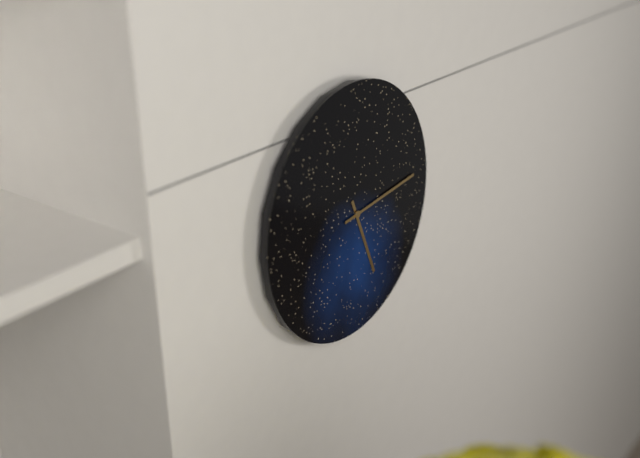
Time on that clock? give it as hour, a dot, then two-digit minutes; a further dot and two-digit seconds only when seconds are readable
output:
5.14
